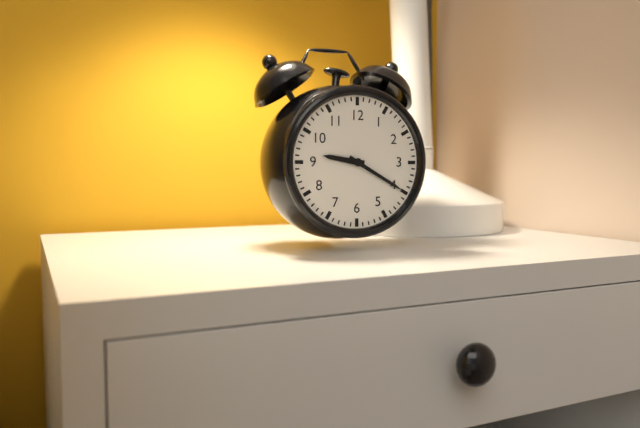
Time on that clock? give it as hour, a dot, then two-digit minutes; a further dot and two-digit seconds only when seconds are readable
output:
9.20
